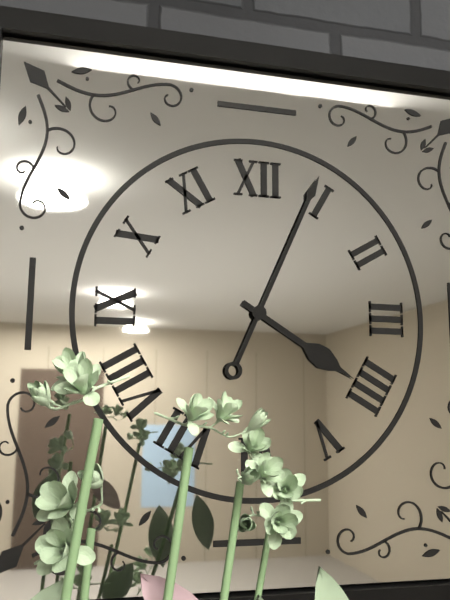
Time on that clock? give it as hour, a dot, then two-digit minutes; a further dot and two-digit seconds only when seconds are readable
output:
4.04
